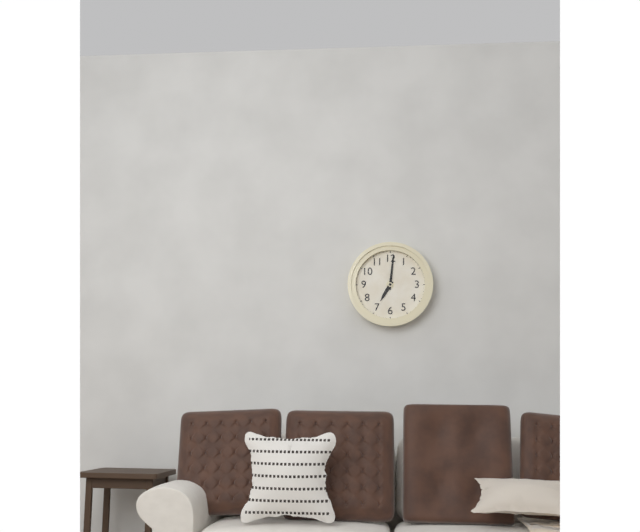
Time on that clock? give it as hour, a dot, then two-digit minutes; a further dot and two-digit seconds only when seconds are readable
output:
7.01
